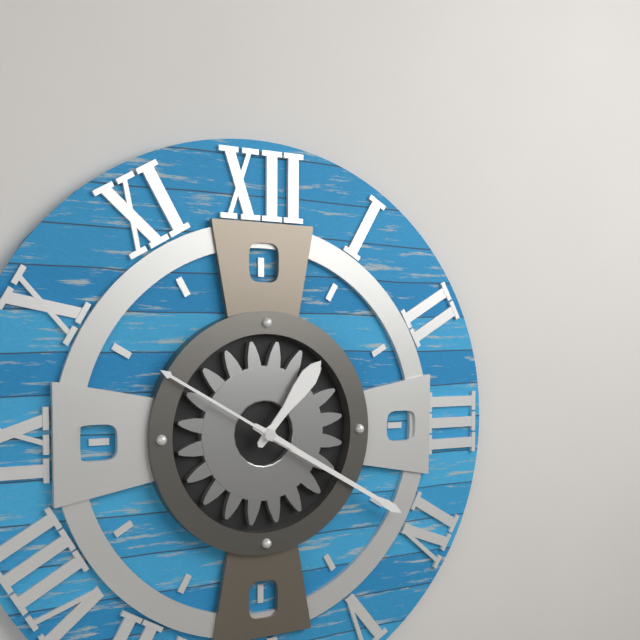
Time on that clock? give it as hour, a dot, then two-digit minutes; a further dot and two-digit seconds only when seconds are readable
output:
1.20.50
